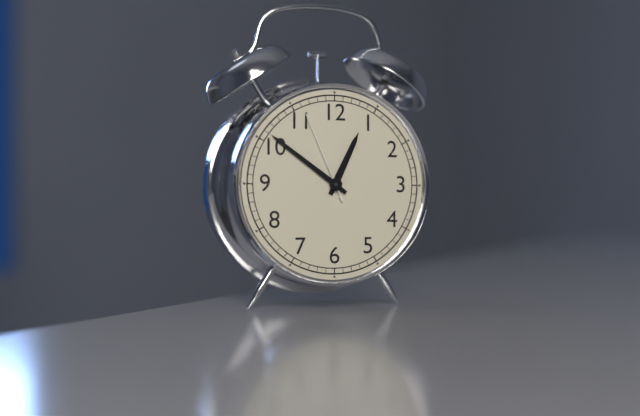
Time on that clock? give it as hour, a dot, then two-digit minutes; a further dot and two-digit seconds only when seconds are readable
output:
12.51.56
